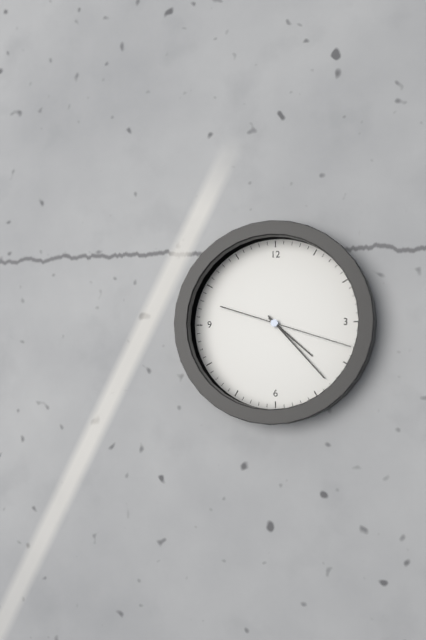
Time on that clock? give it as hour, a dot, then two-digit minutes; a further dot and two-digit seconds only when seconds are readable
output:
4.23.18
